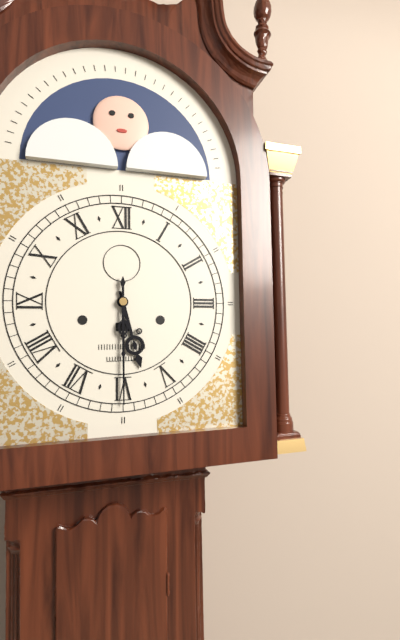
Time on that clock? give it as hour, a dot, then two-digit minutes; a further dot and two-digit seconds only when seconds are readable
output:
5.30
